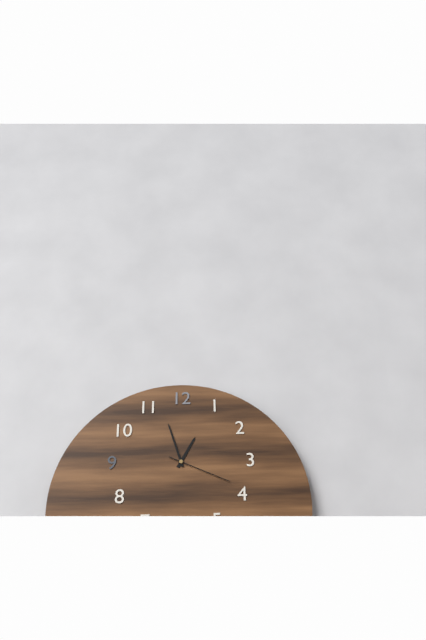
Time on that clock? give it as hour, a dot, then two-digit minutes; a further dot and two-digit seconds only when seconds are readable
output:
12.57.19
